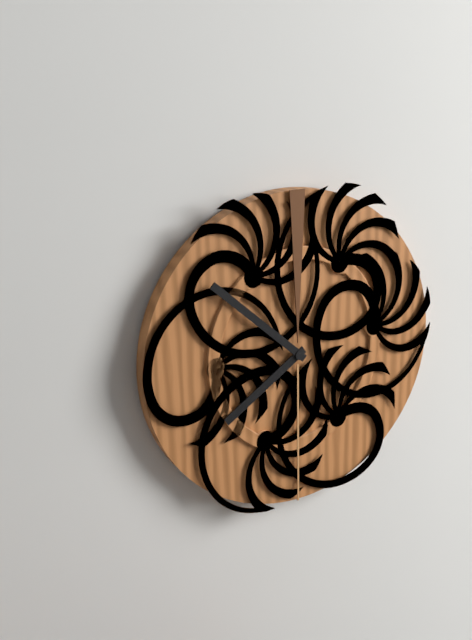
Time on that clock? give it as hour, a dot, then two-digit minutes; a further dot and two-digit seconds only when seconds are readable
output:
7.52
